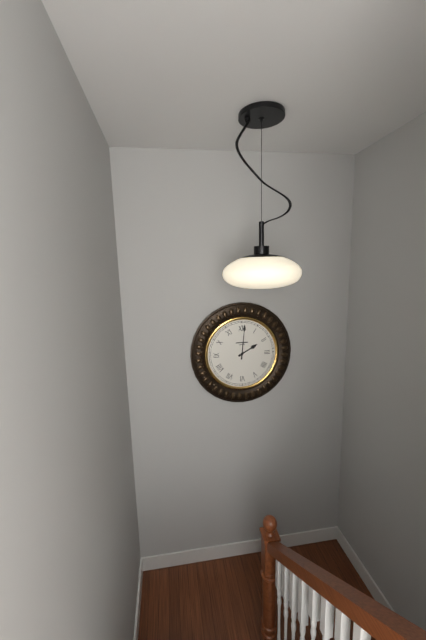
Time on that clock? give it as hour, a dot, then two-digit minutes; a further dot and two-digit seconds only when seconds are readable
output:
2.01
